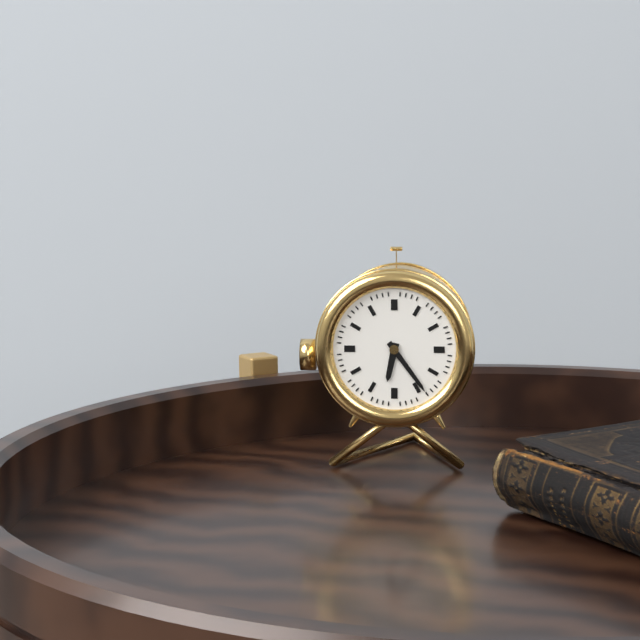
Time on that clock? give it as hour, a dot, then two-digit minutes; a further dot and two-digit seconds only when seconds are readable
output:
6.24
